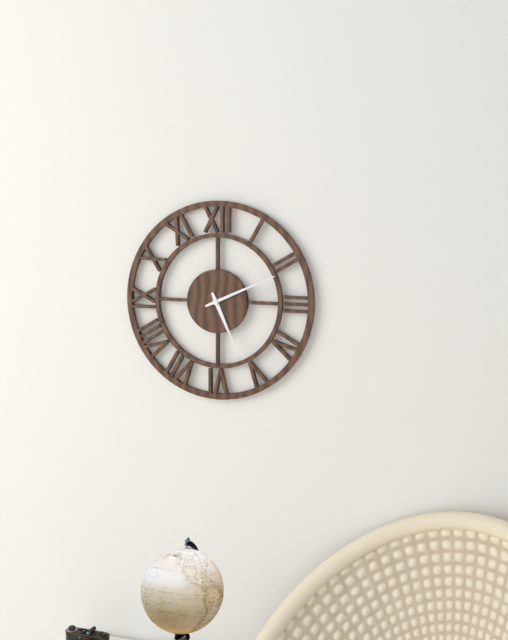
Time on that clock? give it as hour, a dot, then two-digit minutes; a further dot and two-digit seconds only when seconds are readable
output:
5.11
